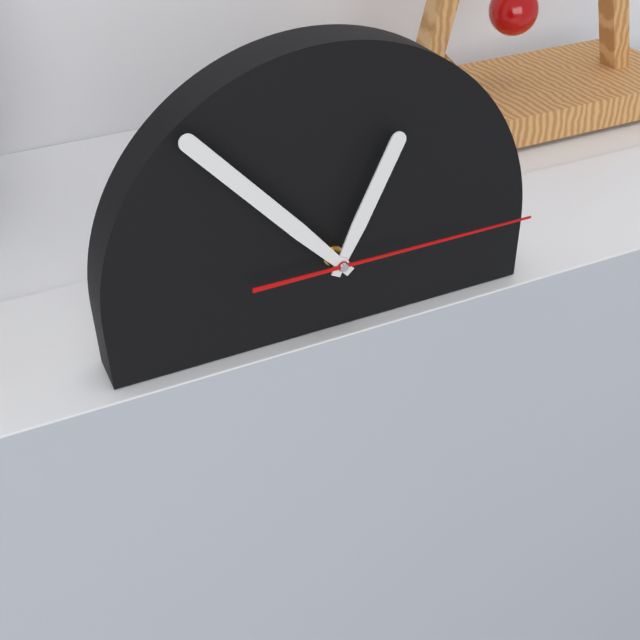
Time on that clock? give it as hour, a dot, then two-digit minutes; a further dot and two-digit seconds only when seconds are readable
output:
12.53.15
